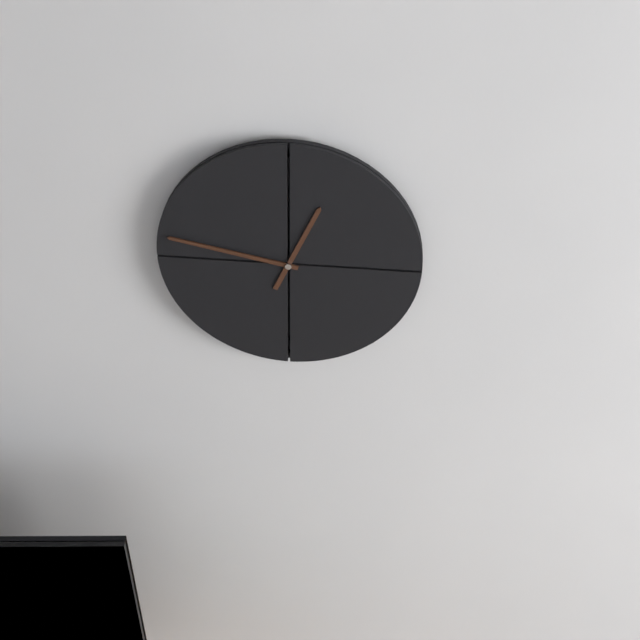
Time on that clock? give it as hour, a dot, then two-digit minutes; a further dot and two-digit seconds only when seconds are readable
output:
12.47
